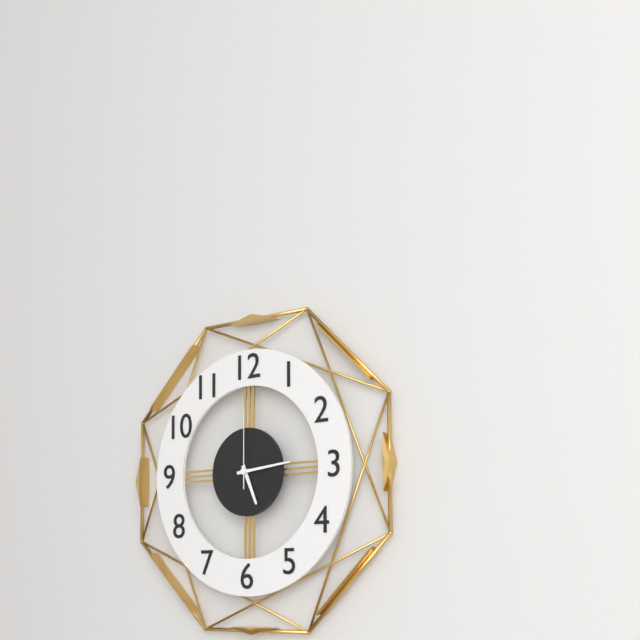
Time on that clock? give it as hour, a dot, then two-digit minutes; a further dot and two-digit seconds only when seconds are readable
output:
5.14.00
